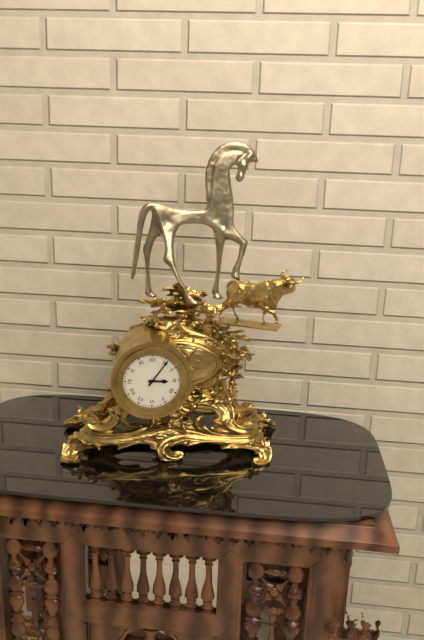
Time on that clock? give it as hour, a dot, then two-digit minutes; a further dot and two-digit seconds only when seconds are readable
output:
3.06
